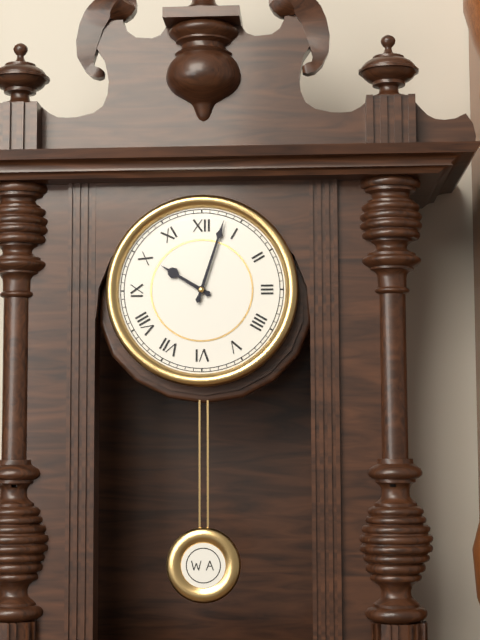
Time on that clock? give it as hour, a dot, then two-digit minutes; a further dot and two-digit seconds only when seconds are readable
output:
10.03
